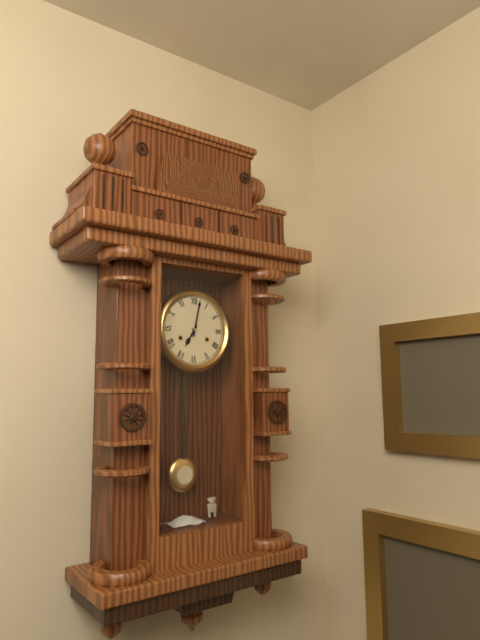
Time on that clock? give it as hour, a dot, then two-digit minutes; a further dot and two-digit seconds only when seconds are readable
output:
7.02
